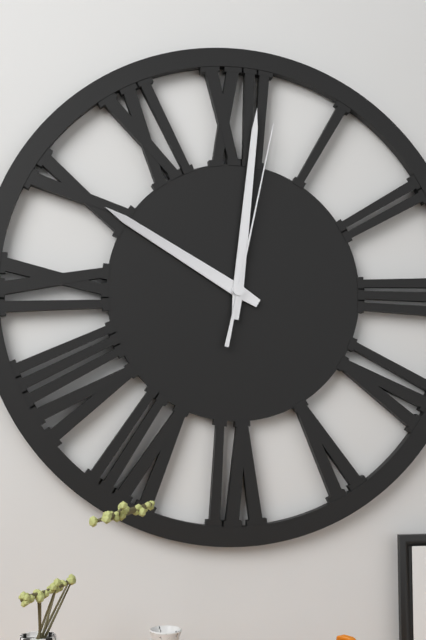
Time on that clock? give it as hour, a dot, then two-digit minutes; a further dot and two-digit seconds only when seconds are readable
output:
10.01.02
